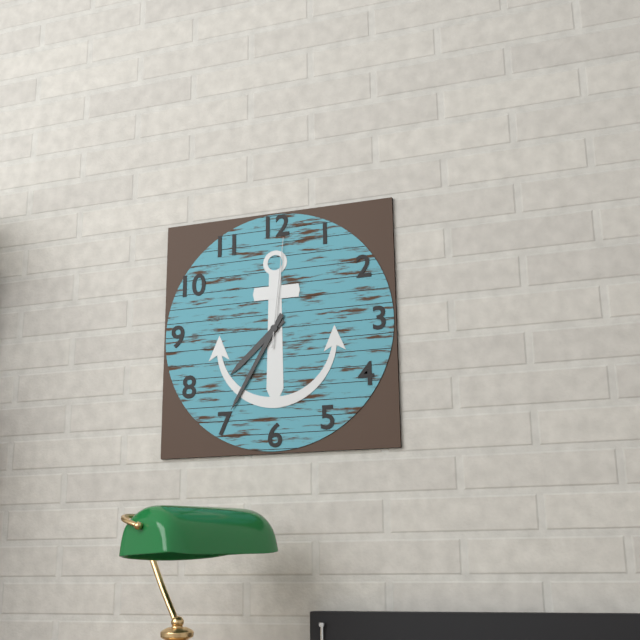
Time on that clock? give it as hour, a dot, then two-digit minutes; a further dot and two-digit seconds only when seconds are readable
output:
7.35.01
